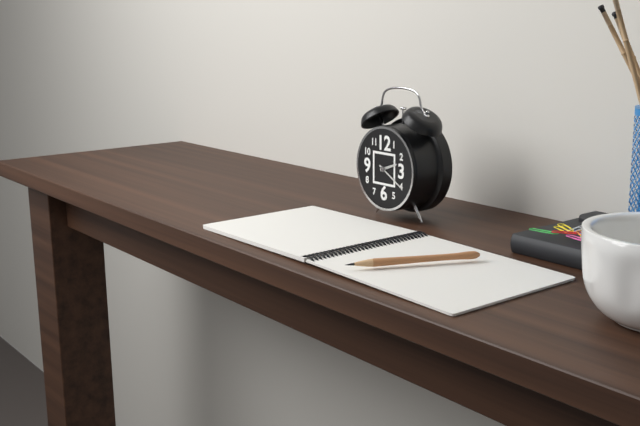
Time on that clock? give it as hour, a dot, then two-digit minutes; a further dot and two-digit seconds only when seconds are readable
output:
2.20
